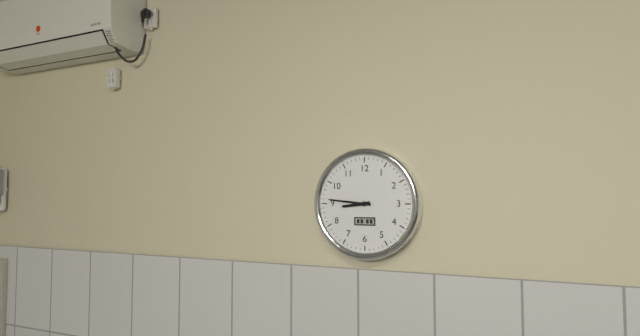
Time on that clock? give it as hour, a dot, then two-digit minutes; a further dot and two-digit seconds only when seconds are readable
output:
8.46
